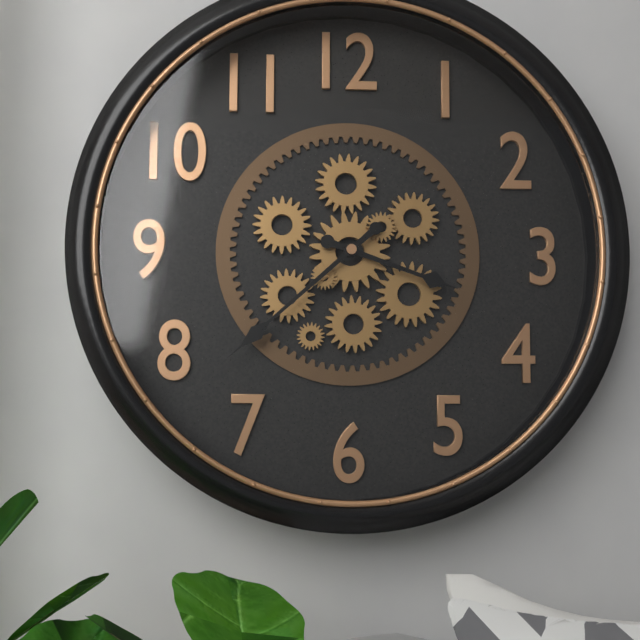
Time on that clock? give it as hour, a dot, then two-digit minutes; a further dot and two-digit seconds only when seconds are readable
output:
3.38
